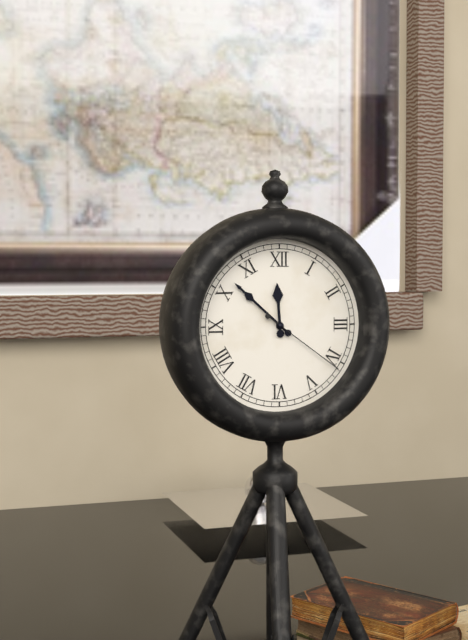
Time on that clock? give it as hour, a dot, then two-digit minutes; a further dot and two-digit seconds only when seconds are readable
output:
11.52.21
